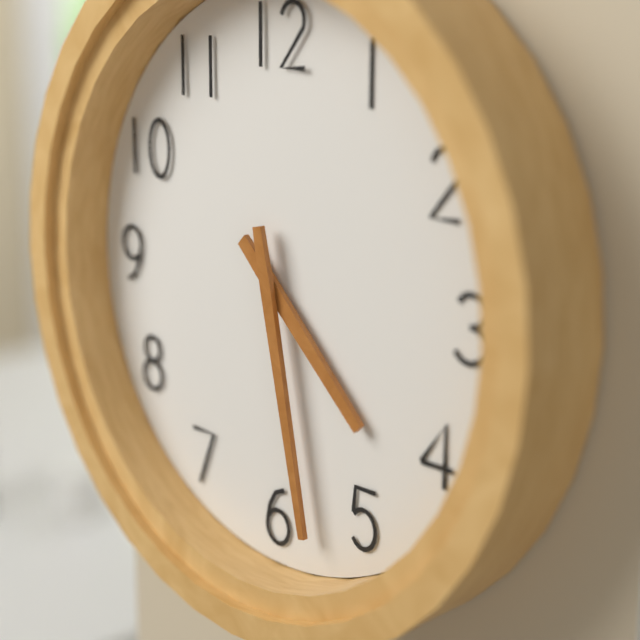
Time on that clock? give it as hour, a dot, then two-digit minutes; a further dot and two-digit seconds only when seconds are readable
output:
4.28
